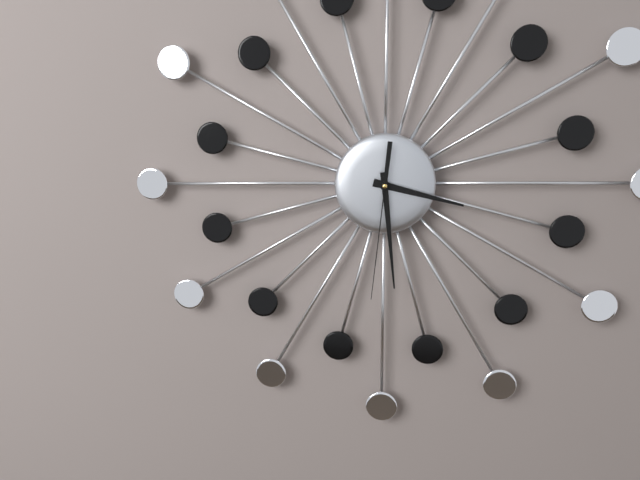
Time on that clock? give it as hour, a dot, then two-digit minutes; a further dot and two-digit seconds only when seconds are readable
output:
3.29.31
